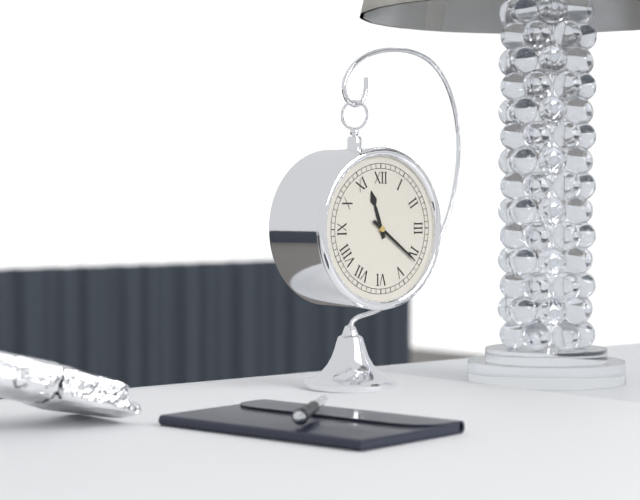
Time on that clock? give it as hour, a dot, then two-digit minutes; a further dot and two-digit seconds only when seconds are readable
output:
11.21
